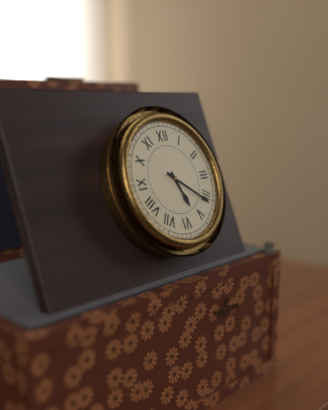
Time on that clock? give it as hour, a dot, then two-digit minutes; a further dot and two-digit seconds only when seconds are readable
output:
5.21
